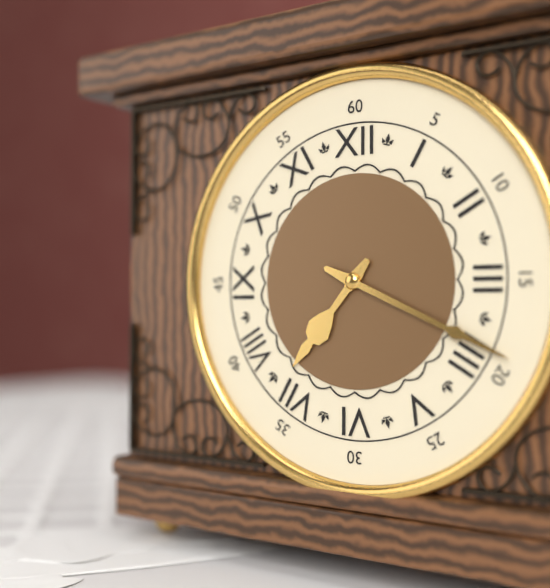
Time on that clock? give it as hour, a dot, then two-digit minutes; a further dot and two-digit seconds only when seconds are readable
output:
7.19
